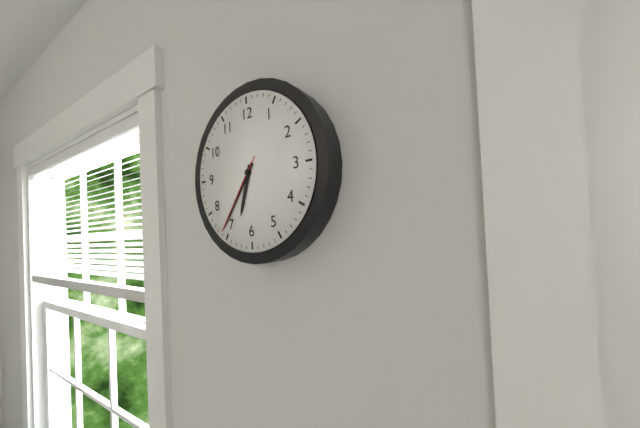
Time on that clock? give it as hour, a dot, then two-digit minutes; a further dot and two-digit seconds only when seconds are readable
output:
6.36.36
